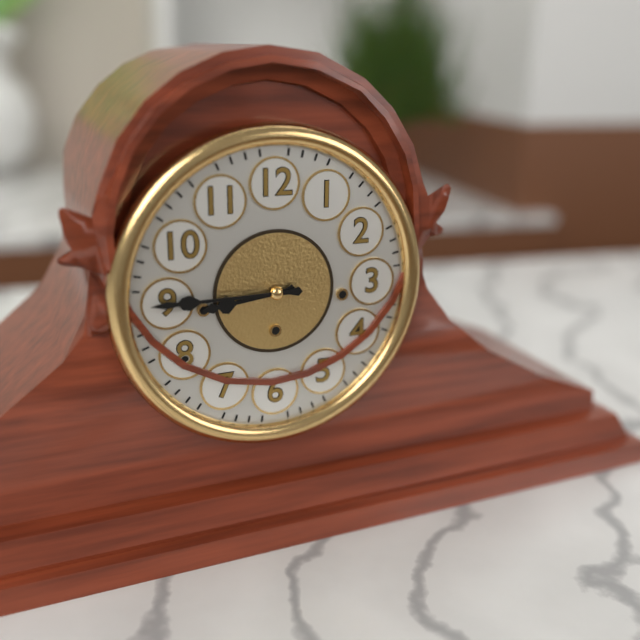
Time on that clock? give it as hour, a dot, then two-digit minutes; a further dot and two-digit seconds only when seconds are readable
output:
8.45
